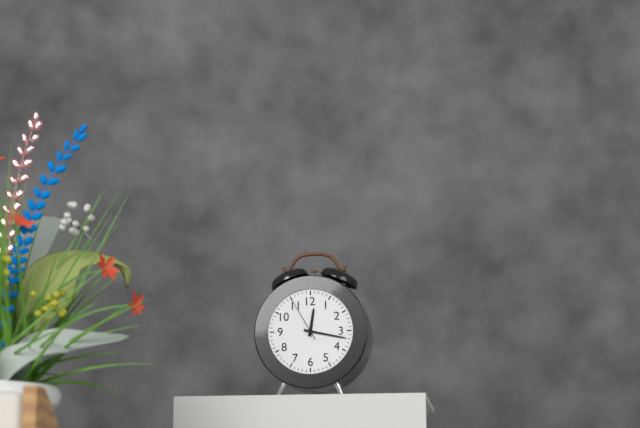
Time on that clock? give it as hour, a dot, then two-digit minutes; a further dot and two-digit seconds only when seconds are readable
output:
12.17
